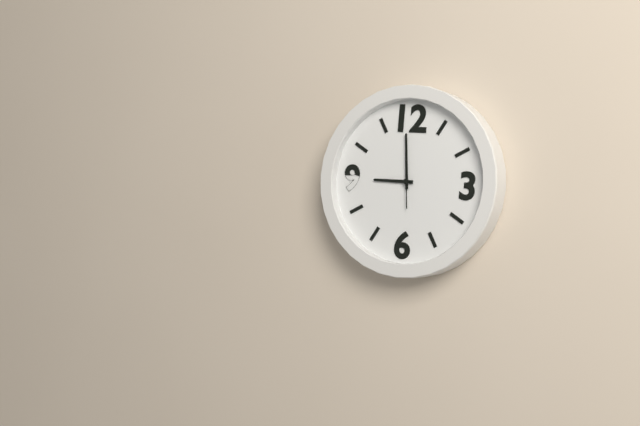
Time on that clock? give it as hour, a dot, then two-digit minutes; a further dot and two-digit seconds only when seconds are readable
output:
8.59.59
